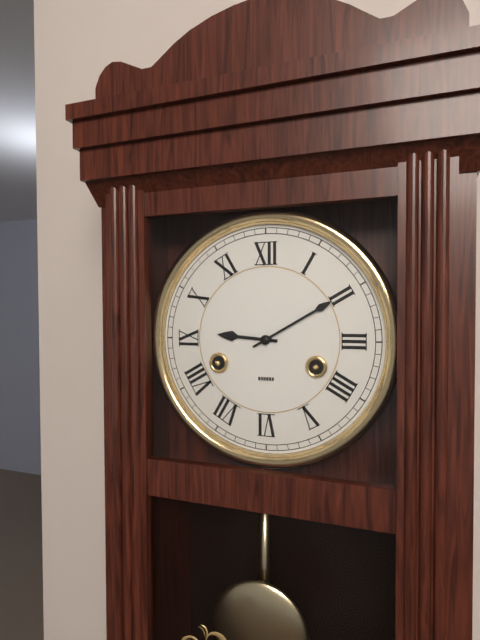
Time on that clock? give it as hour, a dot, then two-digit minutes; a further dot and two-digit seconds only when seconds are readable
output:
9.10
